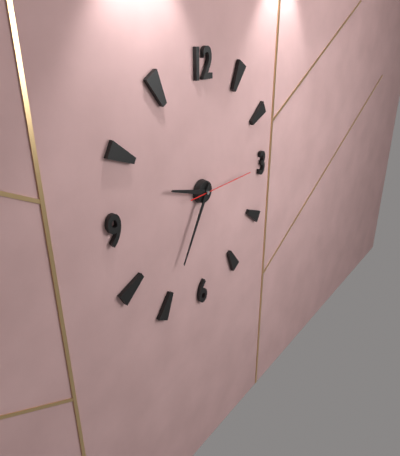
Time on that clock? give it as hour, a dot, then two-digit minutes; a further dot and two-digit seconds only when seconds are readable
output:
9.35.15
